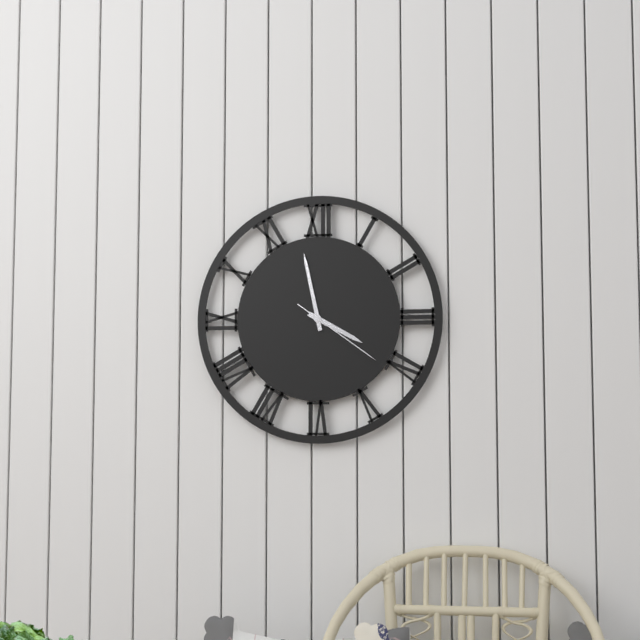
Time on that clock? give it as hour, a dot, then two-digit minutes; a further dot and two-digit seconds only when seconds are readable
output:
3.58.21
